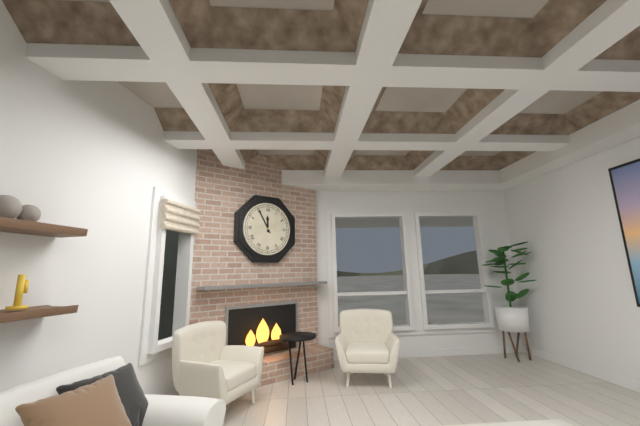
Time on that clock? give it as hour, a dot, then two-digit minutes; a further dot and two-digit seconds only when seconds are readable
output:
11.55
